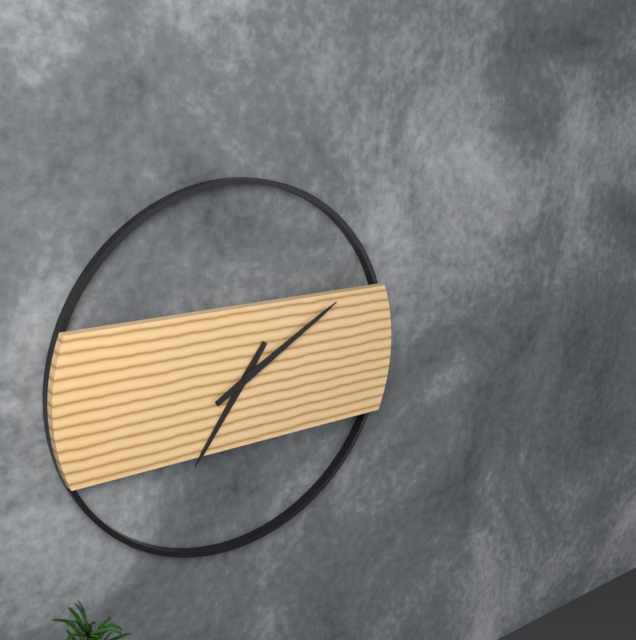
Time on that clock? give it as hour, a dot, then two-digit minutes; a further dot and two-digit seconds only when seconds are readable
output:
7.10
